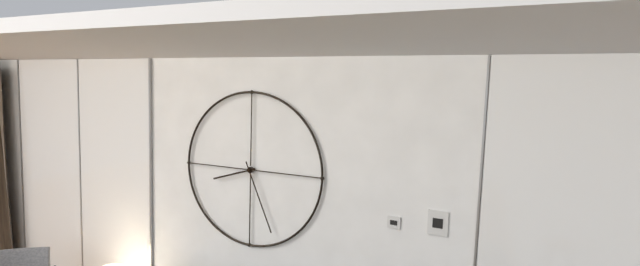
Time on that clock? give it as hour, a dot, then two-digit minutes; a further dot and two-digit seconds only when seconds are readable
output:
8.26
